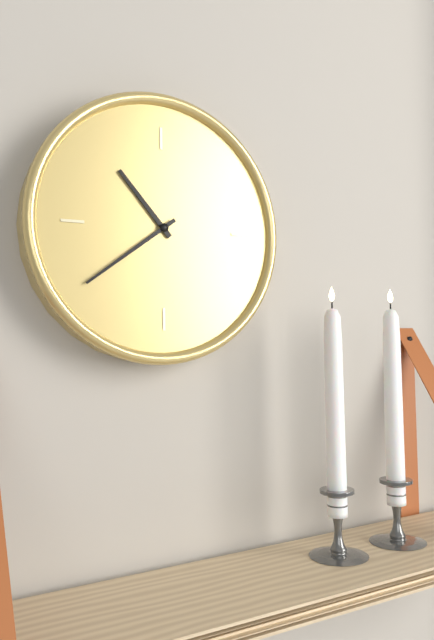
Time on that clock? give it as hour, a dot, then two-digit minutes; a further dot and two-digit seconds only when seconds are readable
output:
10.39
